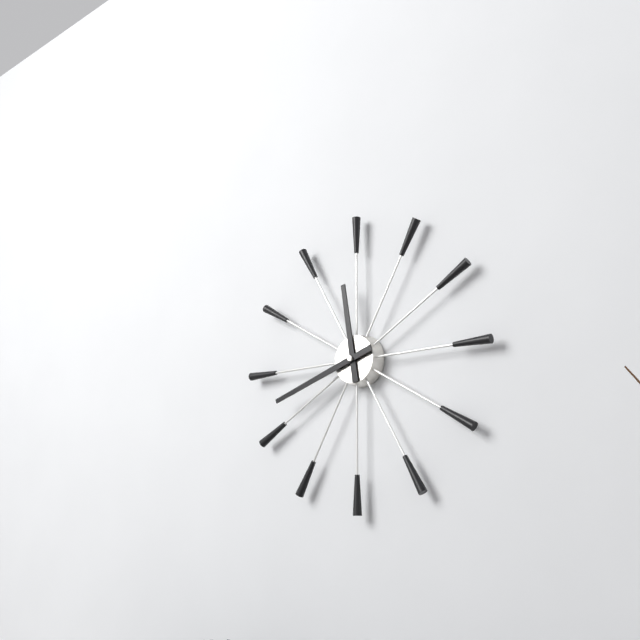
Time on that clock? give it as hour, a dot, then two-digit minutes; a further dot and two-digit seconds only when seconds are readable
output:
11.42
